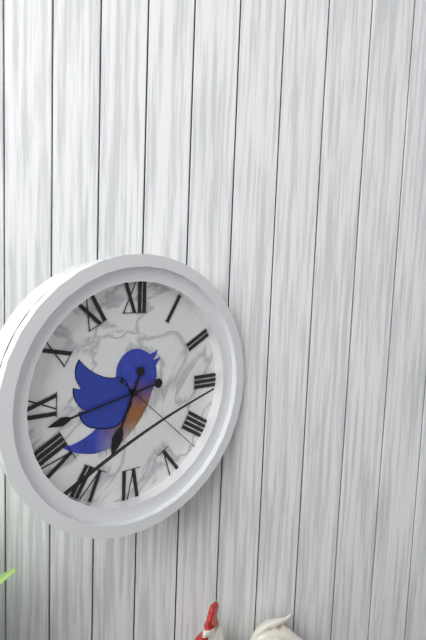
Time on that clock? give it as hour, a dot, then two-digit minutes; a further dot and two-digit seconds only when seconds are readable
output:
6.43.22
